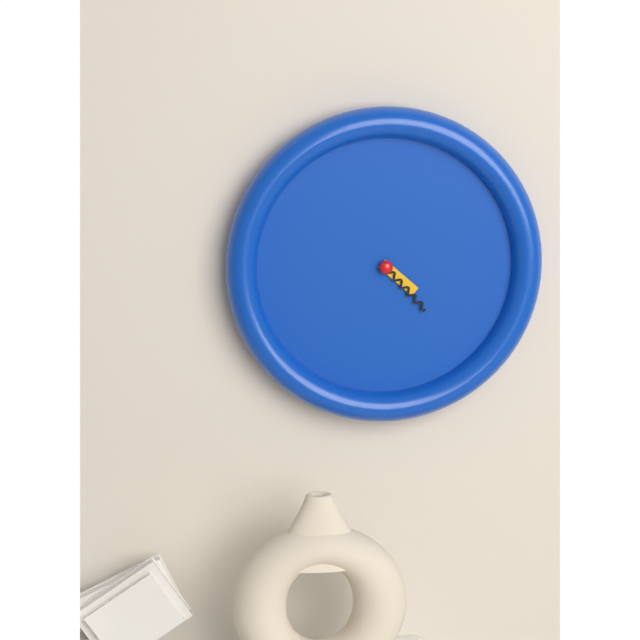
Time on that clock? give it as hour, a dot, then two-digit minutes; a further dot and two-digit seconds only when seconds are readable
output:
4.23
